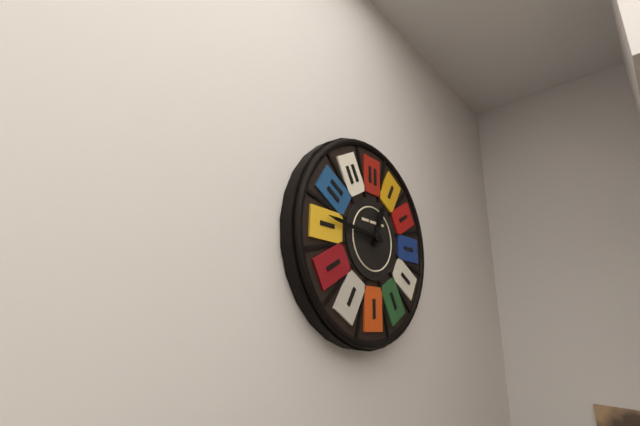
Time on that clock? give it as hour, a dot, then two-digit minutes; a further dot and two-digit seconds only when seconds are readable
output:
12.46
